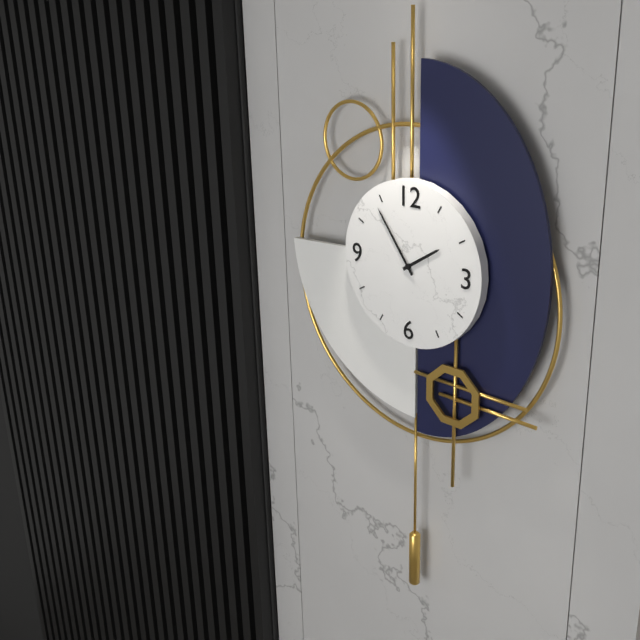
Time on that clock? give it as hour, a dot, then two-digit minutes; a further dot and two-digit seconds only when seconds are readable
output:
1.54
